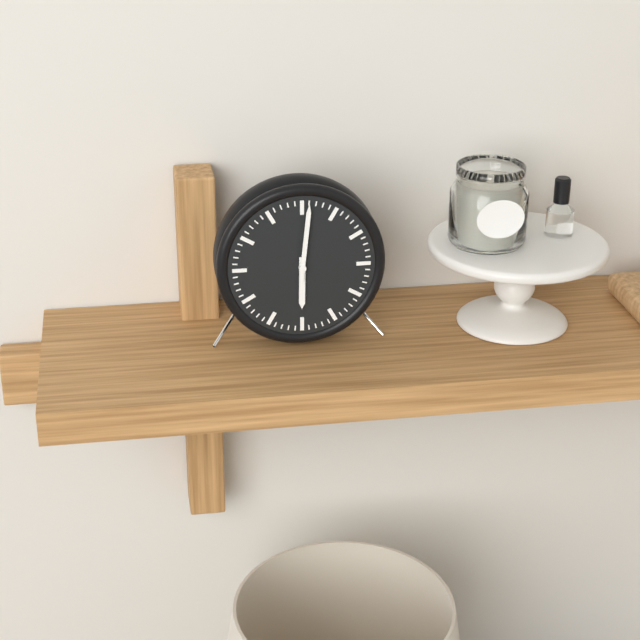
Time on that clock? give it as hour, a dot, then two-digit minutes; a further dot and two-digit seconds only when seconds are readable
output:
6.01
